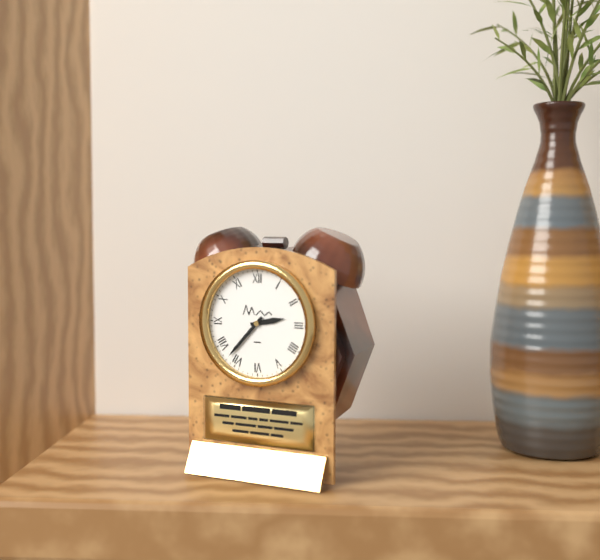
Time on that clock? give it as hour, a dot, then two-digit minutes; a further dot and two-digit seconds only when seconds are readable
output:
2.37
